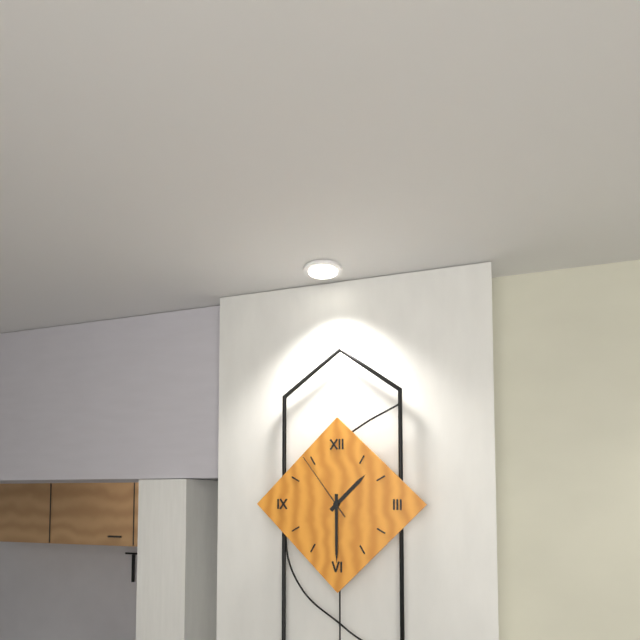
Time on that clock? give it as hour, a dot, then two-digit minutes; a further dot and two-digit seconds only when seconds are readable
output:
1.30.54
